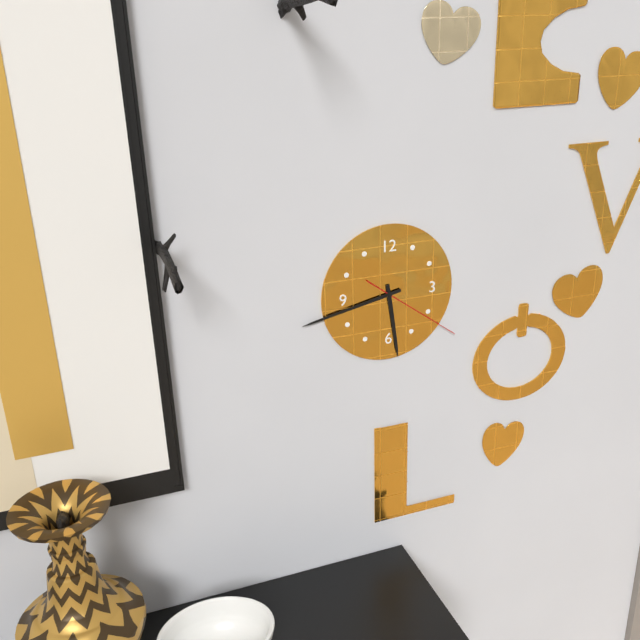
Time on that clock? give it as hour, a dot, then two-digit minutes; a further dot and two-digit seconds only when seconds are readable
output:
5.43.21
